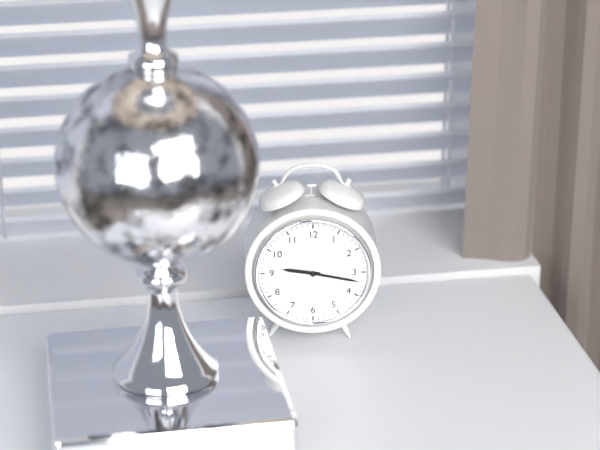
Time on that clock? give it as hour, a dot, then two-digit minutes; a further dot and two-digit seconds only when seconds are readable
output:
9.17
